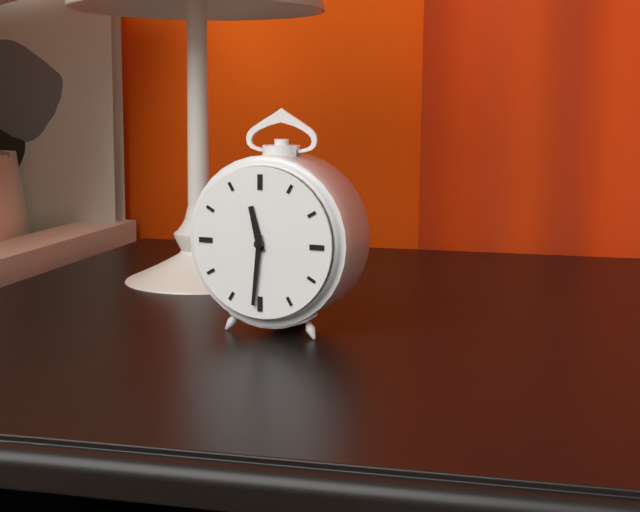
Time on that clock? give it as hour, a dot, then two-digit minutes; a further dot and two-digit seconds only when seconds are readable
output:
11.31
